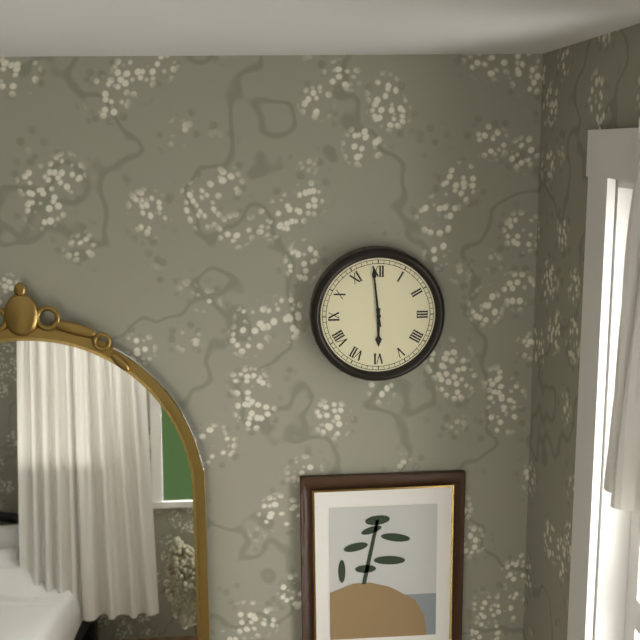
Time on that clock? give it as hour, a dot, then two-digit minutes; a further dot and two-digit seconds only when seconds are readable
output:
5.59
